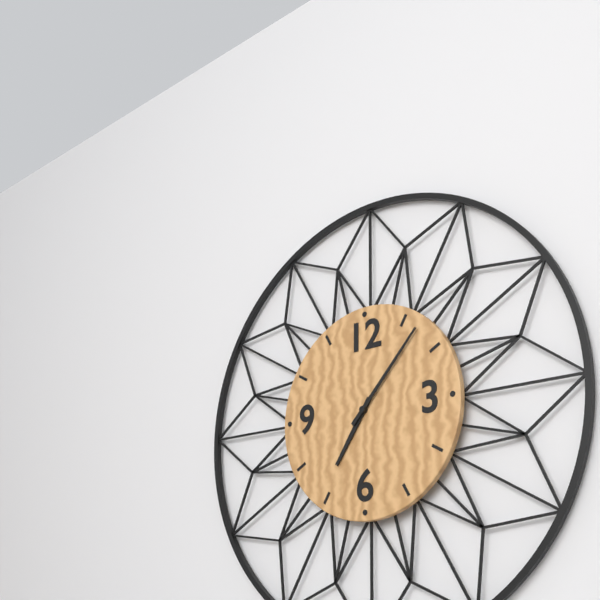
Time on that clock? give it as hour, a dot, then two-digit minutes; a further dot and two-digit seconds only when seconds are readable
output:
7.07
